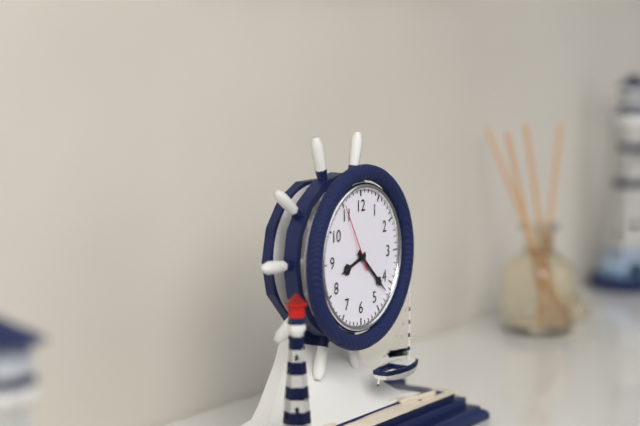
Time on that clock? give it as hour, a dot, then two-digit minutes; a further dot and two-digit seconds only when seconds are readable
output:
8.22.55
